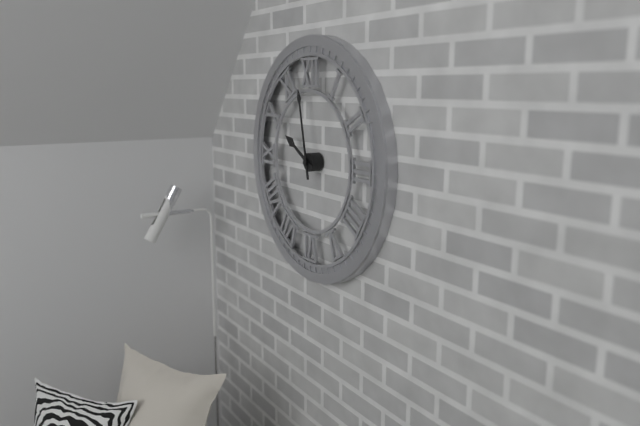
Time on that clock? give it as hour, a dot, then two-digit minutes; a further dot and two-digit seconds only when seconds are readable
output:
9.58
